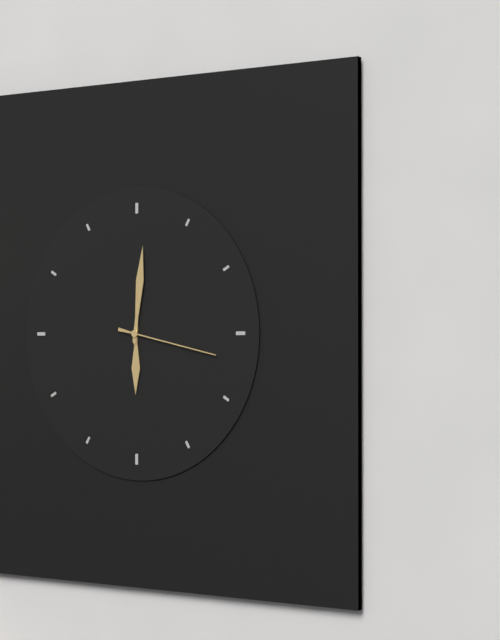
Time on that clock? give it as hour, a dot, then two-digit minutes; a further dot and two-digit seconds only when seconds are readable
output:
6.01.17
